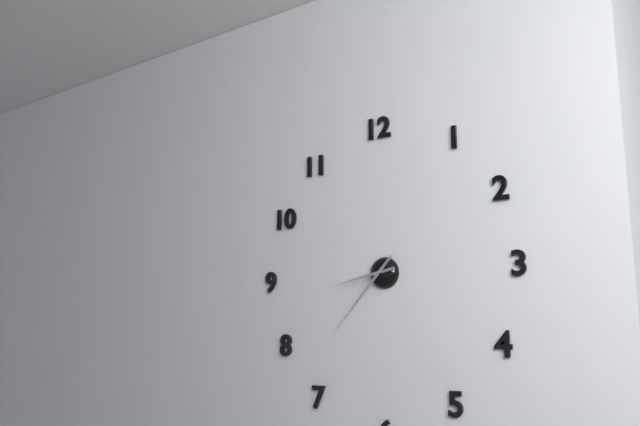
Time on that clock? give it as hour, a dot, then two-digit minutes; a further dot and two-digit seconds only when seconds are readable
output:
8.37
